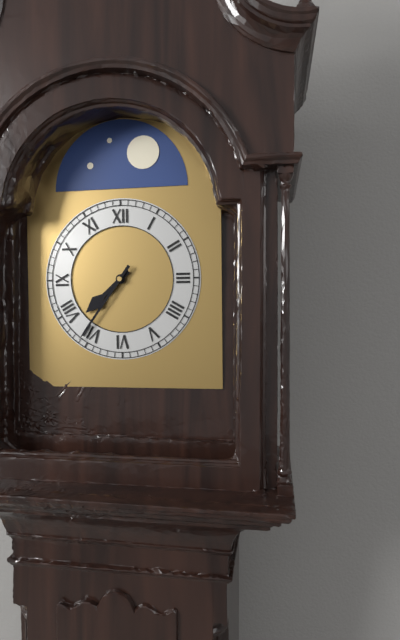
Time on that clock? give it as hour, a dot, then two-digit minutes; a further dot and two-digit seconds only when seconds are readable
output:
7.36
